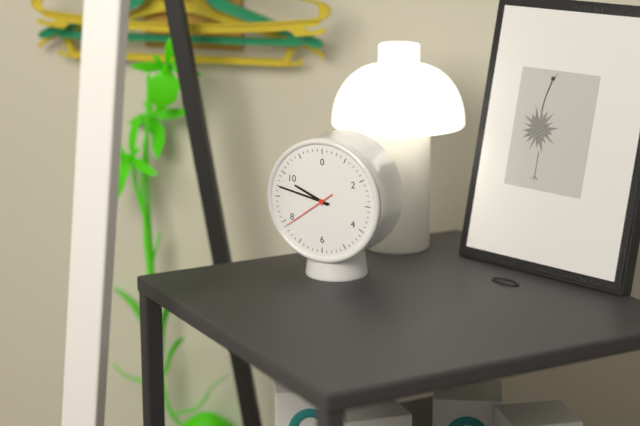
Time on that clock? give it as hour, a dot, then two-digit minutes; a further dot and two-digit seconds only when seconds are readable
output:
9.47.39
